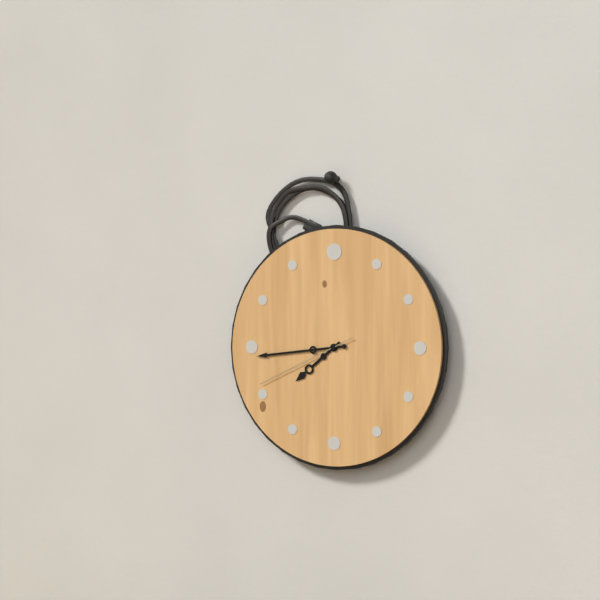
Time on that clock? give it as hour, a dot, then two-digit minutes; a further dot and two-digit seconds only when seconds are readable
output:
7.44.41
